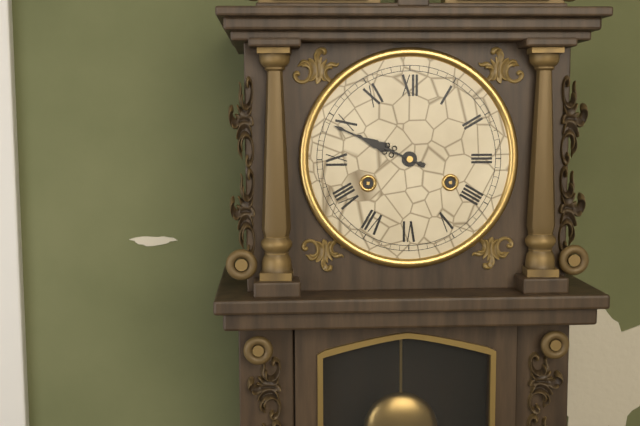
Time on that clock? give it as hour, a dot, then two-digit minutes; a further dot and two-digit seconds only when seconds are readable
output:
9.49
